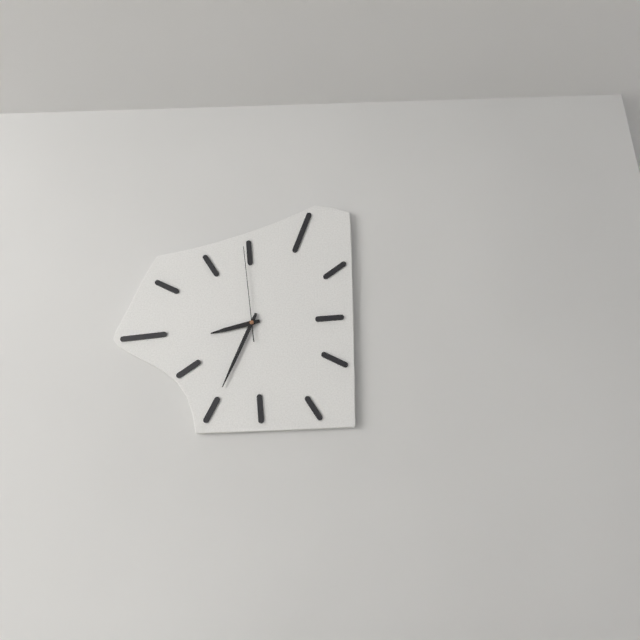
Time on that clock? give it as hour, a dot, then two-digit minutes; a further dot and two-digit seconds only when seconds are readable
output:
8.34.59
